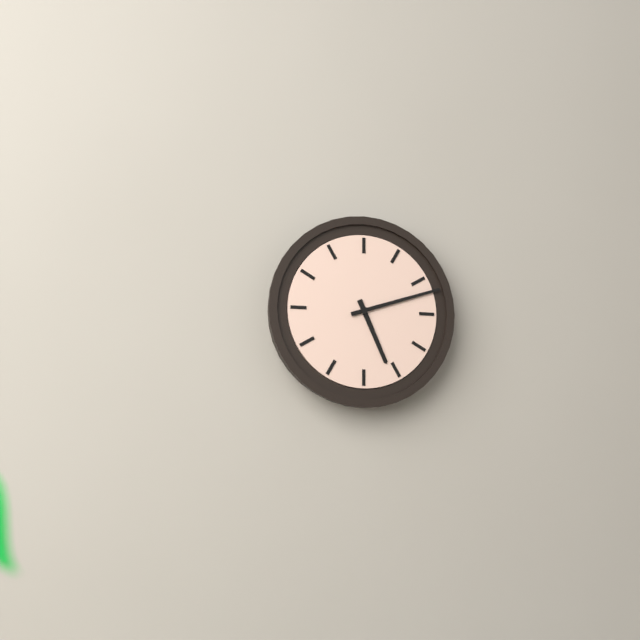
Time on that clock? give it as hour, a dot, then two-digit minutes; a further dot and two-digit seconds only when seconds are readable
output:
5.12
